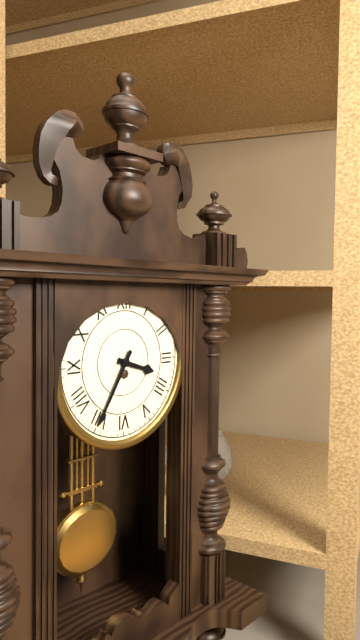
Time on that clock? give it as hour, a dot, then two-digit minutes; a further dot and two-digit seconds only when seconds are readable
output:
3.35
